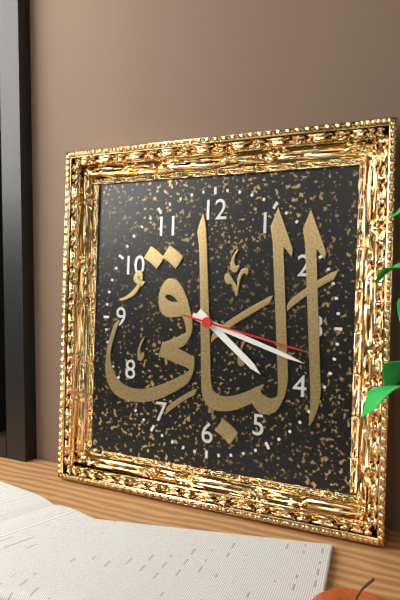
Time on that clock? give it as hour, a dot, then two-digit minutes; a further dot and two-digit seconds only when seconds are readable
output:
4.18.17
